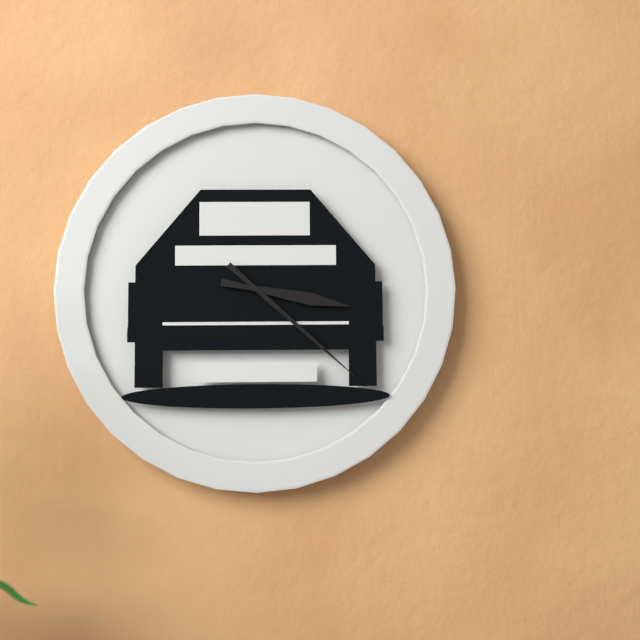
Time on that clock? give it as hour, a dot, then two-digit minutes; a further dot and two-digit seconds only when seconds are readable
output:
3.22
